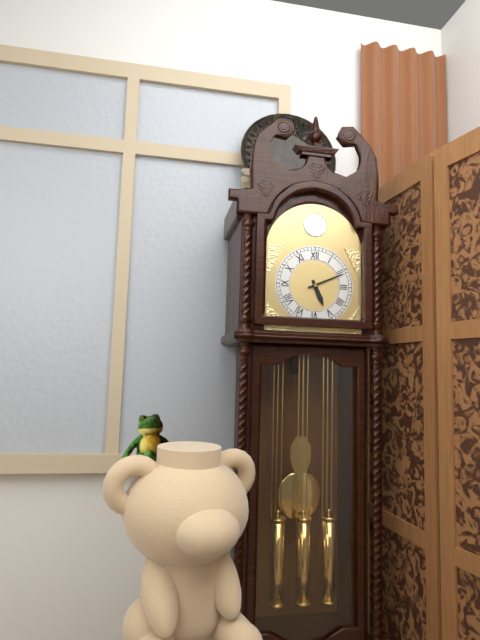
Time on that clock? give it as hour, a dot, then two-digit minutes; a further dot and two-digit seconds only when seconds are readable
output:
5.11
